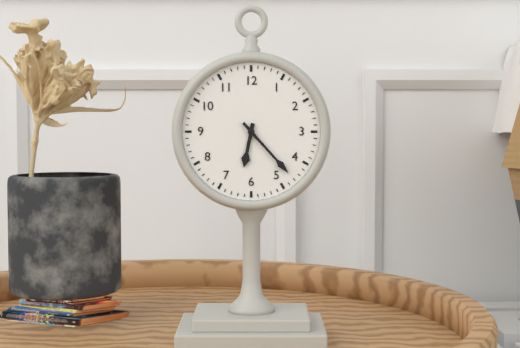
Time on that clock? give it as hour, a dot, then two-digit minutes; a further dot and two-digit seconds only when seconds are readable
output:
6.23
